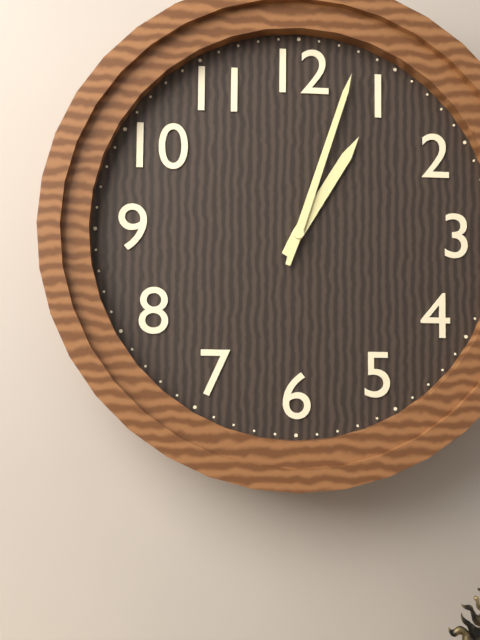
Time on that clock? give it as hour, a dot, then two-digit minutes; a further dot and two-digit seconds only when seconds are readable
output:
1.03
